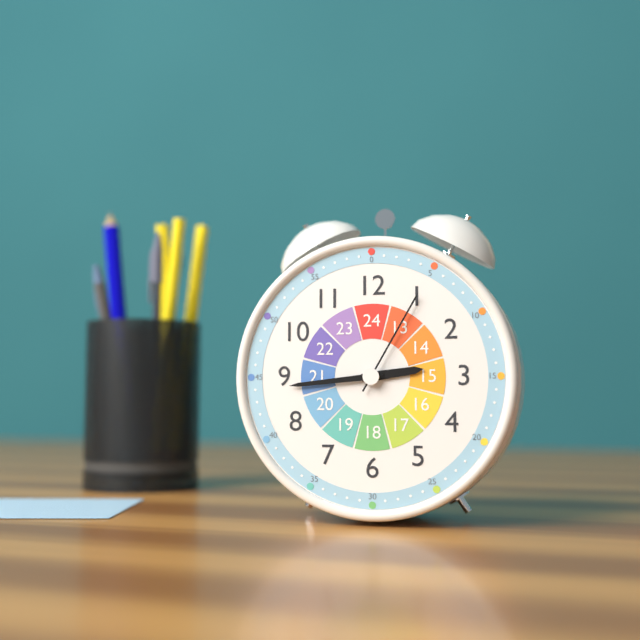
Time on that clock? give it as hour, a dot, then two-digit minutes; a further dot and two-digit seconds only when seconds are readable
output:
2.44.05
